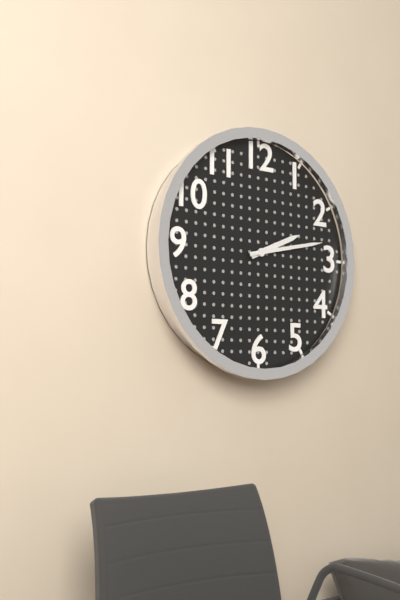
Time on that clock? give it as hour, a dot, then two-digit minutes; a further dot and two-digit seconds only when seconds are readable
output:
2.13
